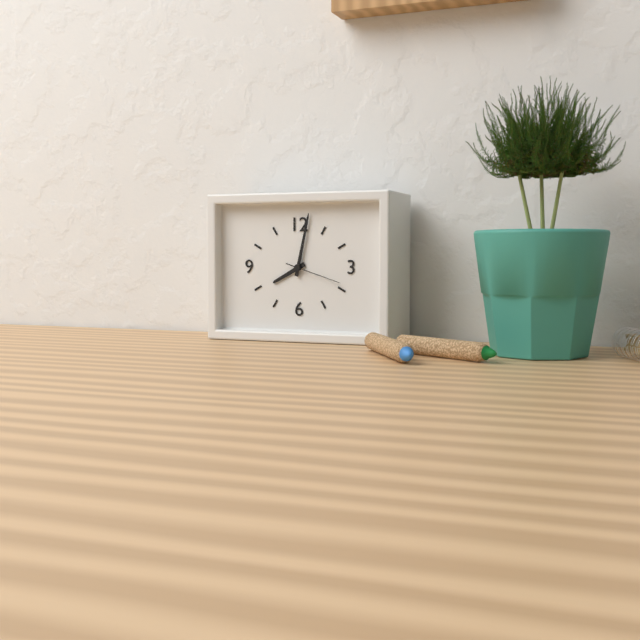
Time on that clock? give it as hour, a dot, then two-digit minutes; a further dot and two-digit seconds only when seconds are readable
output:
8.02.18
